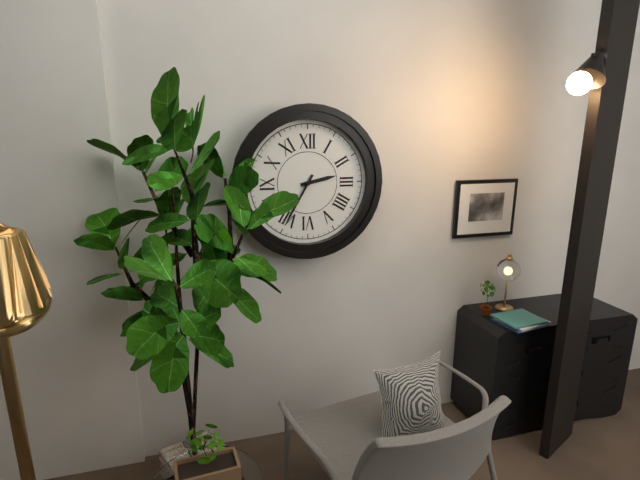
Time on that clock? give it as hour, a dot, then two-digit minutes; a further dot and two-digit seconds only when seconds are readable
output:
2.35
